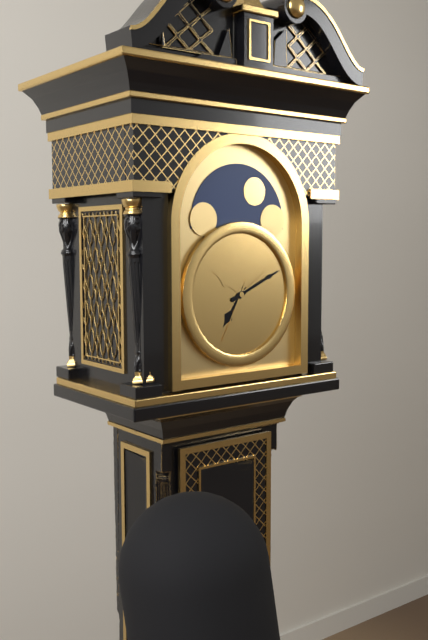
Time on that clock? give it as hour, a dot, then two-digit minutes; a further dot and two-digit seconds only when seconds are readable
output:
7.11
